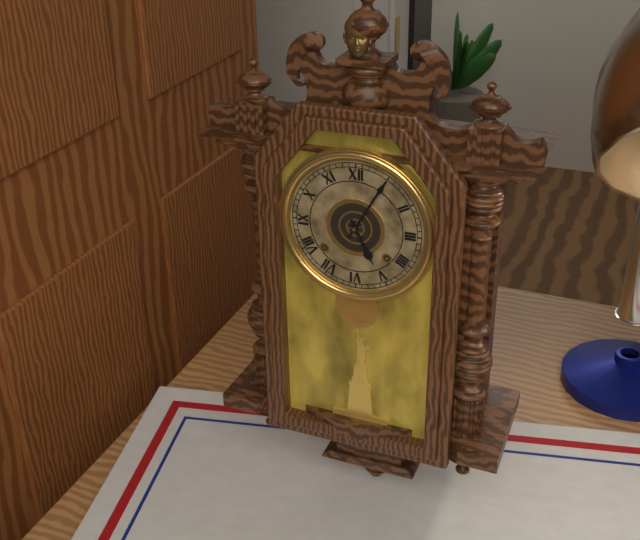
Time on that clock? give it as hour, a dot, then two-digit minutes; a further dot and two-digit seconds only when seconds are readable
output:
5.05
